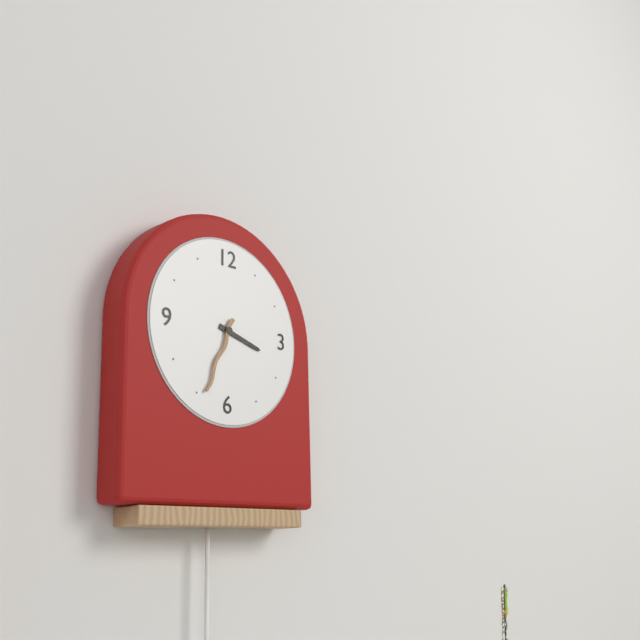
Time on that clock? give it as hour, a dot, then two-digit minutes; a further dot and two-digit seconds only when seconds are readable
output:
3.34
